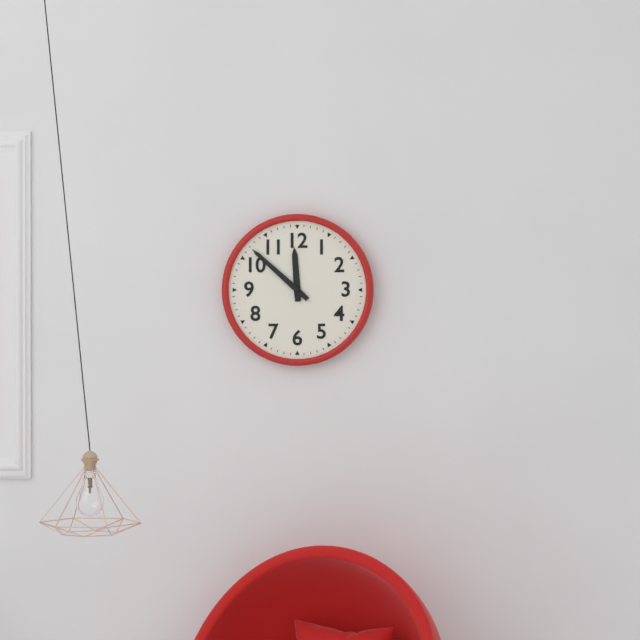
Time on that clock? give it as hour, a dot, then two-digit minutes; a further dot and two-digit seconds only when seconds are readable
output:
11.52
